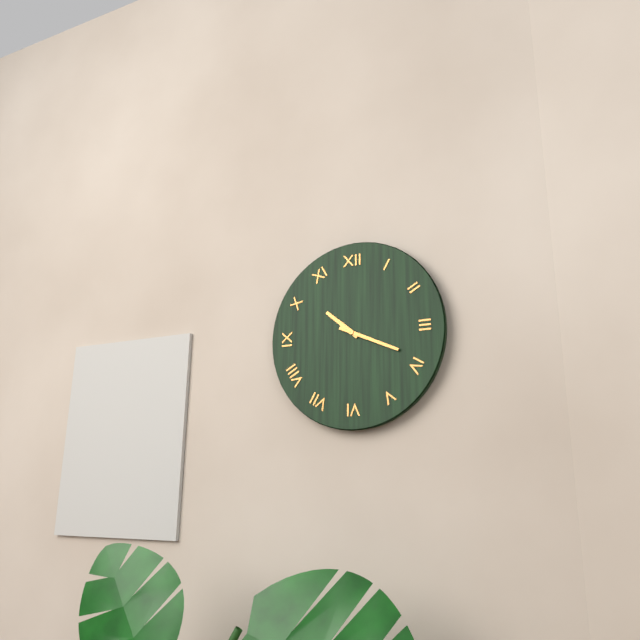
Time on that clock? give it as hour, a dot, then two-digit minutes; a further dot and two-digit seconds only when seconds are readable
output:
10.19
